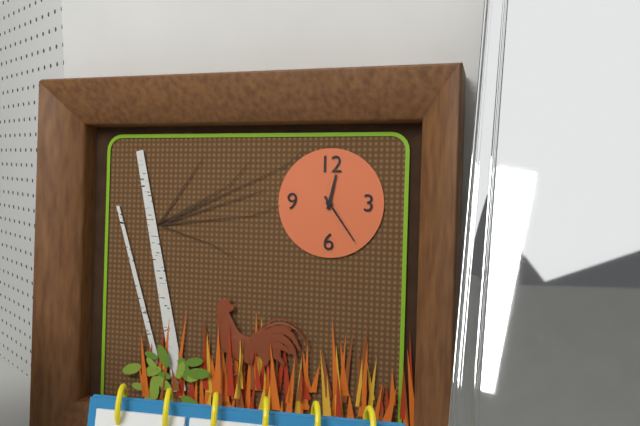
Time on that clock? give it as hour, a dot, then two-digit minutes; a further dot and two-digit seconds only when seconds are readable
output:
12.24
